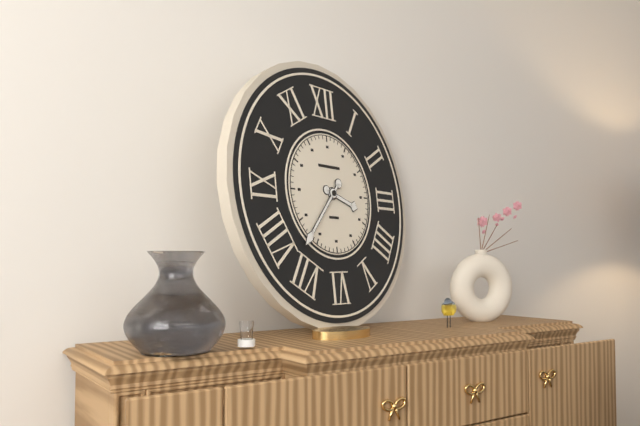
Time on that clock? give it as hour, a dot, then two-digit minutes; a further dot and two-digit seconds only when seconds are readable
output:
3.37
